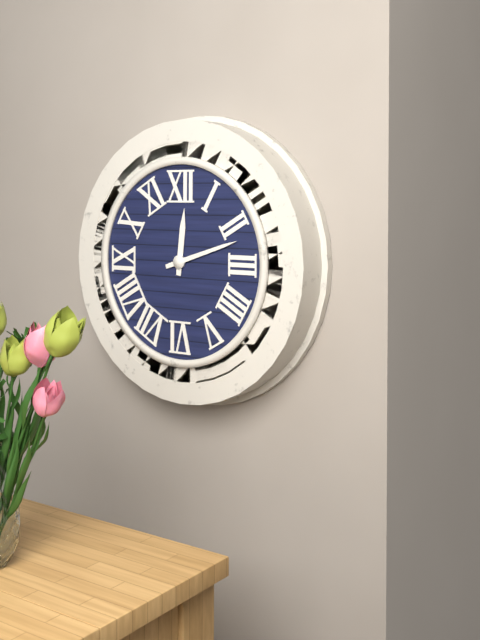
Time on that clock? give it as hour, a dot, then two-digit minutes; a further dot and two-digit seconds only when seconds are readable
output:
12.12
